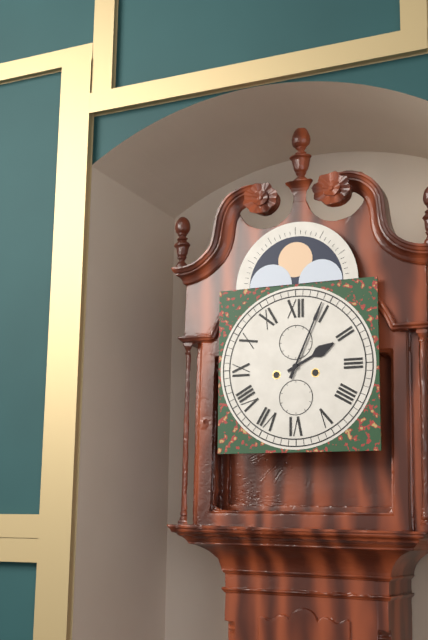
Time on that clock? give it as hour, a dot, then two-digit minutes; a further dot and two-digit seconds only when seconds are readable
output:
2.04
